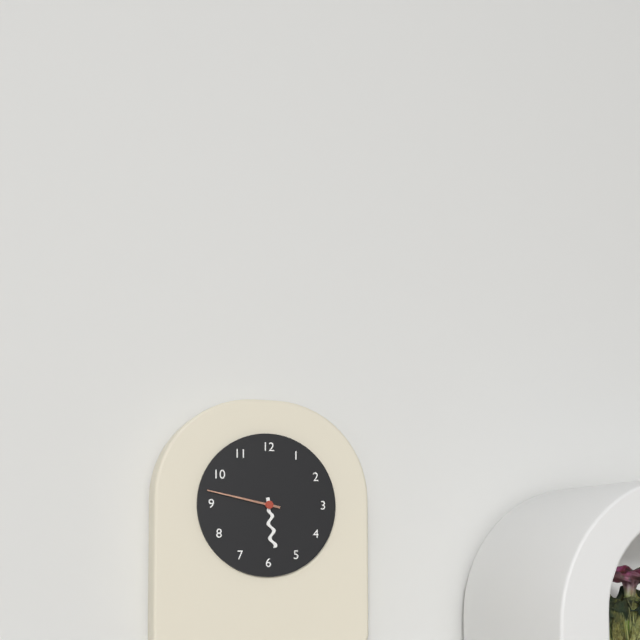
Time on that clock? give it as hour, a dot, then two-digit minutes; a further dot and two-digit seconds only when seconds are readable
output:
5.47
